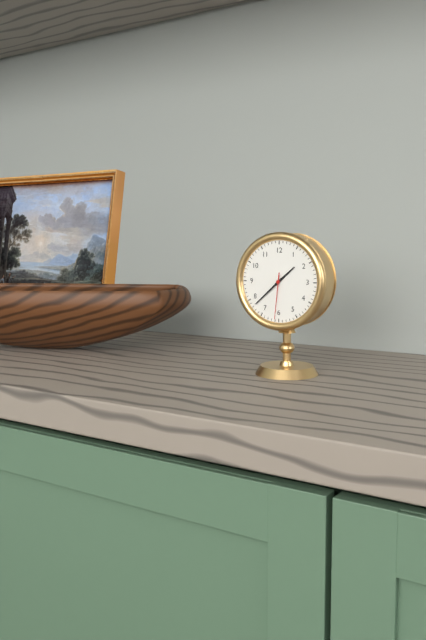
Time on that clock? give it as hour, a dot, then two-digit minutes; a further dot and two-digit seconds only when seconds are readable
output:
1.38
